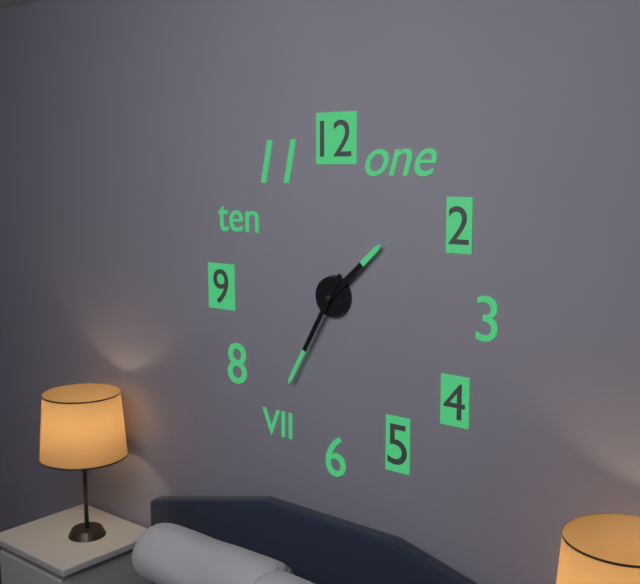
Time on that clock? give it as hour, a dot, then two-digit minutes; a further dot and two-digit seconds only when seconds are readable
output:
1.35
